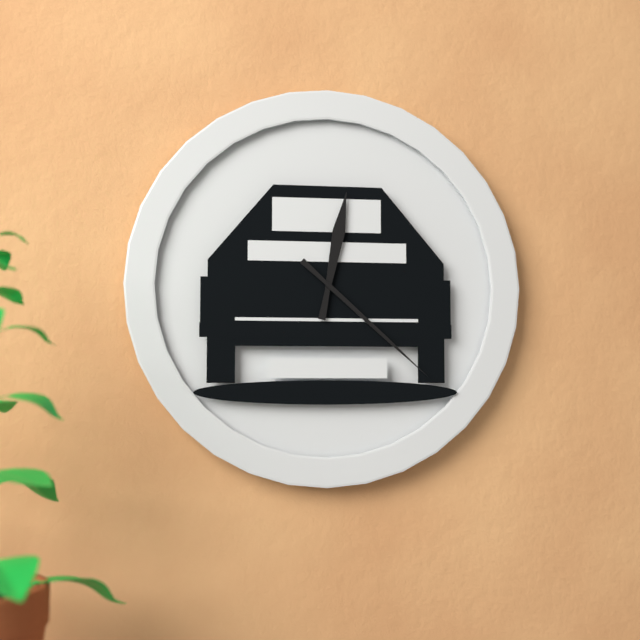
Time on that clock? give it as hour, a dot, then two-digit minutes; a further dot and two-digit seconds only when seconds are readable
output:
12.22
